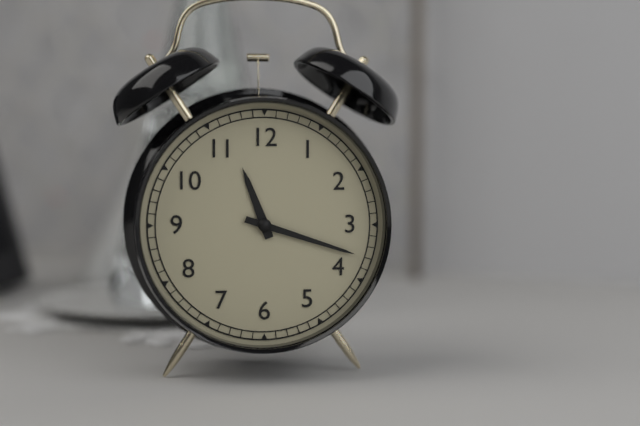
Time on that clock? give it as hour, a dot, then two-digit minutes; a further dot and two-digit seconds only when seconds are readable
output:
11.18
